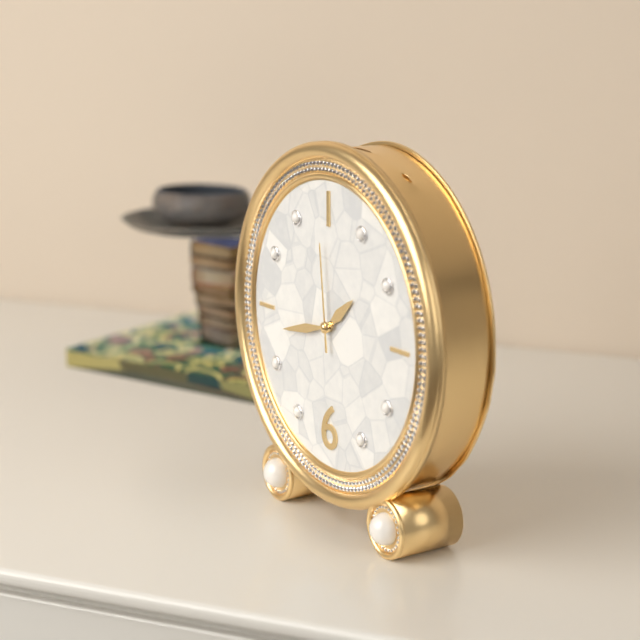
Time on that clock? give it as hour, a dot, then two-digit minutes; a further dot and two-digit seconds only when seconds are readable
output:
1.43.59
